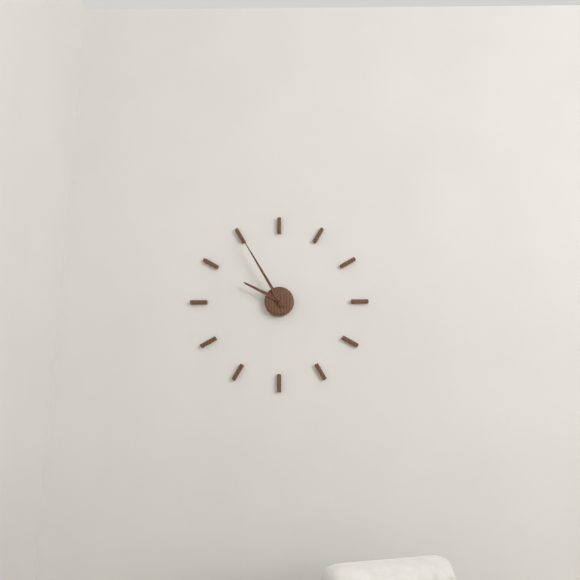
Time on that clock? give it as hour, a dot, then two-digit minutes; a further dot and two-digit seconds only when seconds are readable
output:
9.55
